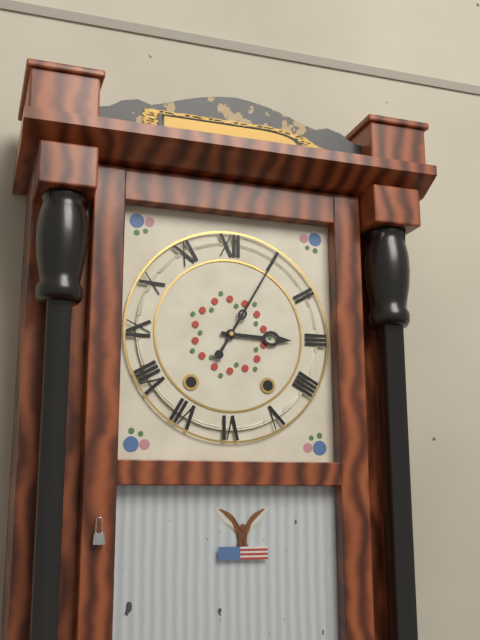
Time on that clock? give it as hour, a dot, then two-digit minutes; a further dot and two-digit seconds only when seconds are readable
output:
3.05
